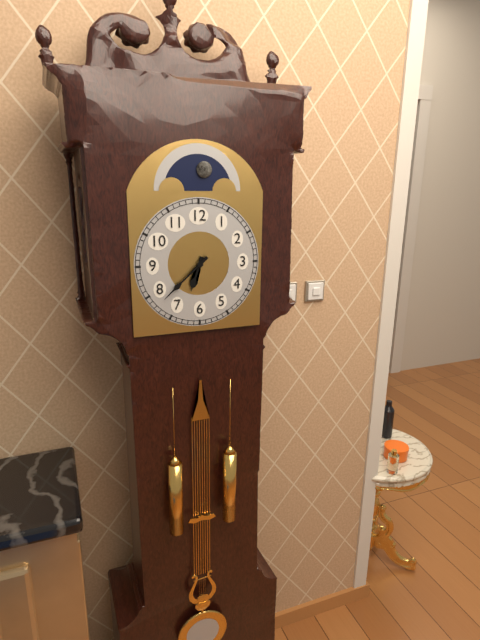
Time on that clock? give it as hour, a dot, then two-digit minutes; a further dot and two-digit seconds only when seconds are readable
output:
6.38
